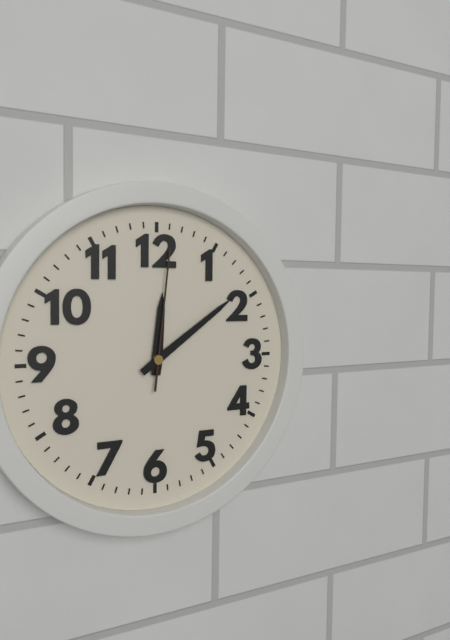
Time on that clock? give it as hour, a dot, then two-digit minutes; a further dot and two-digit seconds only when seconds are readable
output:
12.09.01
